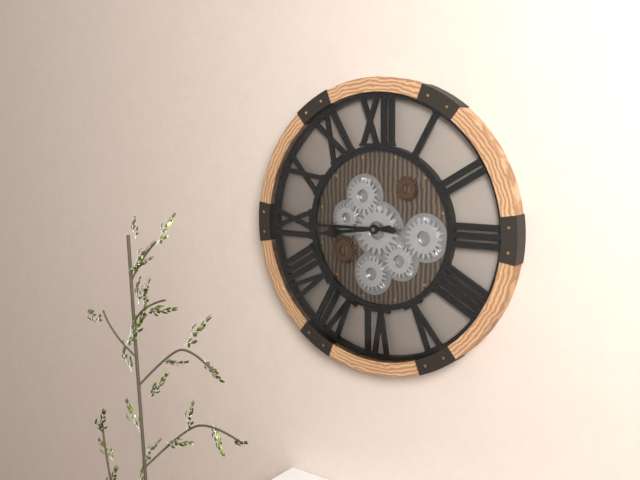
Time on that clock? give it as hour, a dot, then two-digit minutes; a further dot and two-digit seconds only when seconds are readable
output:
8.45
